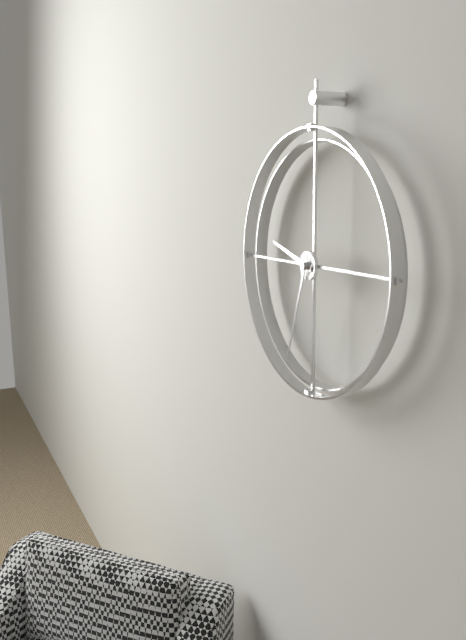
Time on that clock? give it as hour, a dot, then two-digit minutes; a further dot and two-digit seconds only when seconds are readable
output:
9.33
